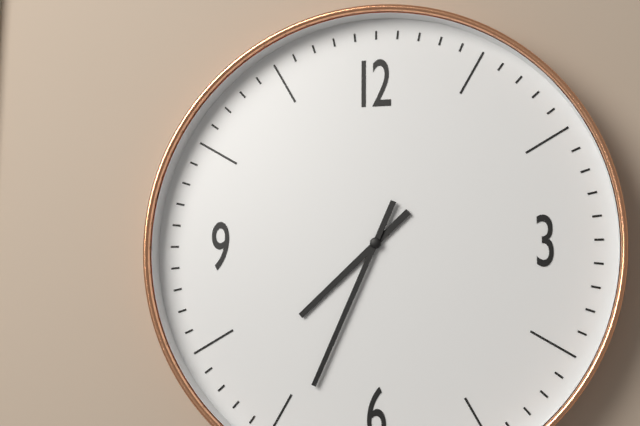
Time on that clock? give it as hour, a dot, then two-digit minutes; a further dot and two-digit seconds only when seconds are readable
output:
7.34
